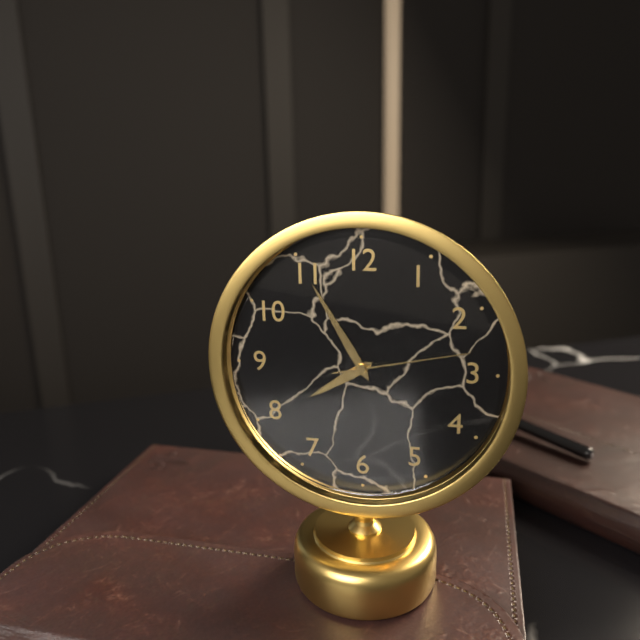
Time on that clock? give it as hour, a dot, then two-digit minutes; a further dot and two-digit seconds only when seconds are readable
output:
7.55.13
